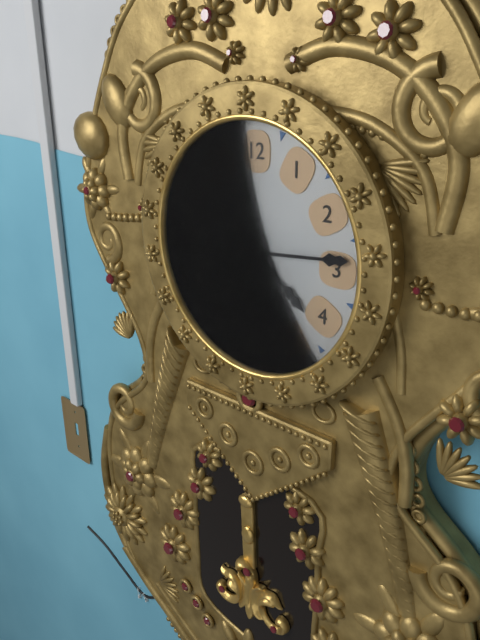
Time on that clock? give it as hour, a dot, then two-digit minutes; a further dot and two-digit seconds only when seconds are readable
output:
4.14
